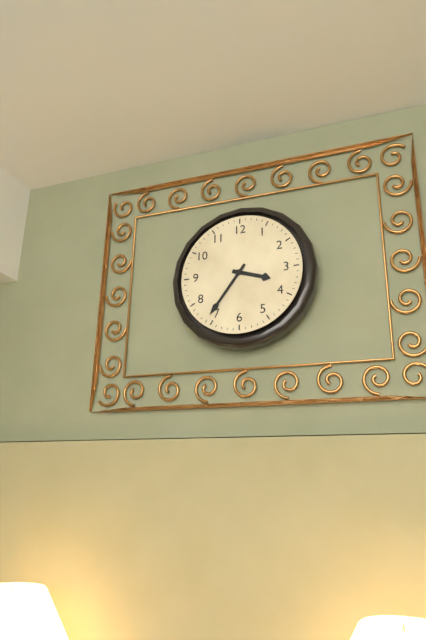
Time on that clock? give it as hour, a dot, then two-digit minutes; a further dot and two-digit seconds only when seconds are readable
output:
3.36
